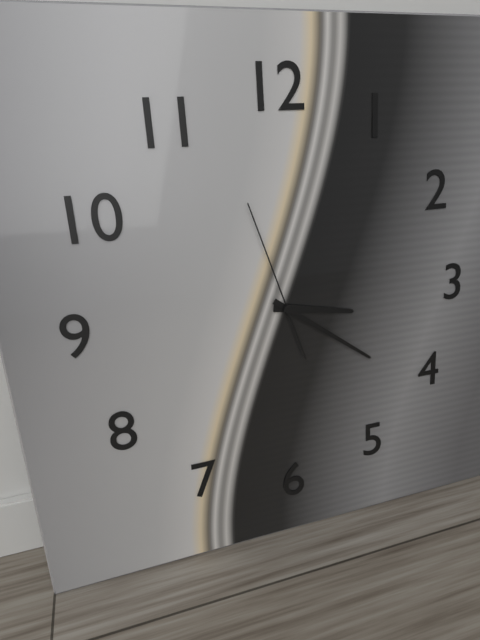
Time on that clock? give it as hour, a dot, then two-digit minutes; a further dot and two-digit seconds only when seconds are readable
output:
3.21.57
